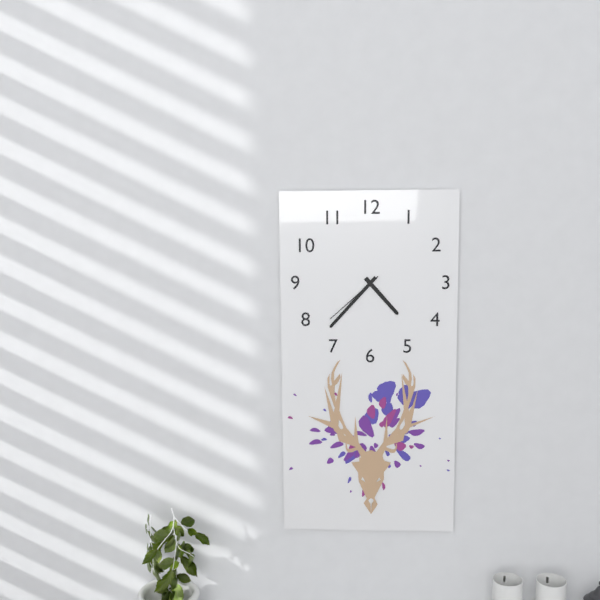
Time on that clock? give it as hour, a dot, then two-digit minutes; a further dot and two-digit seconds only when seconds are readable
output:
4.37.38
